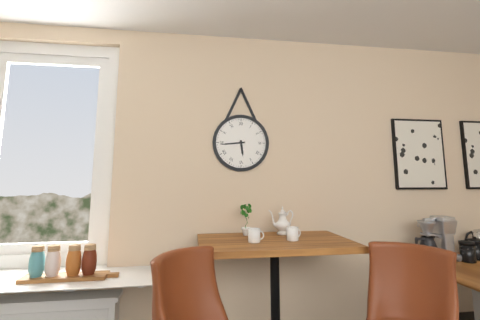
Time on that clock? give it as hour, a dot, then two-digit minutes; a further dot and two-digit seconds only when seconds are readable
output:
5.44
